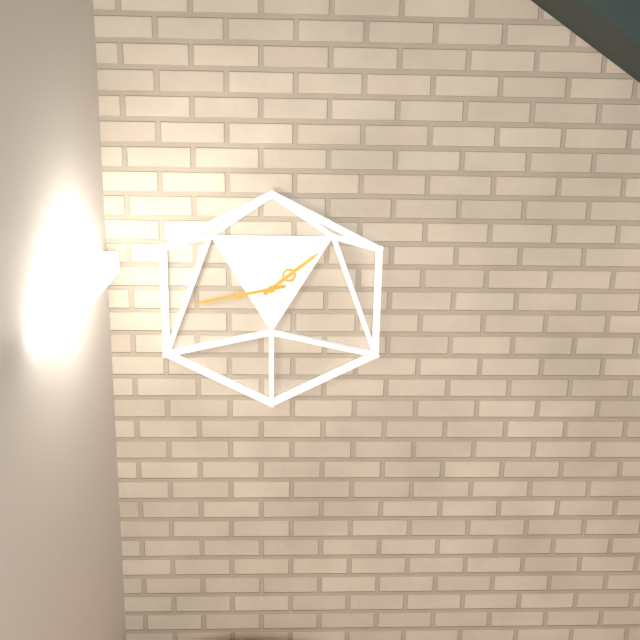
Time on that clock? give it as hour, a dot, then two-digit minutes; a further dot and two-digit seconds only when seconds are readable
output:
1.43
